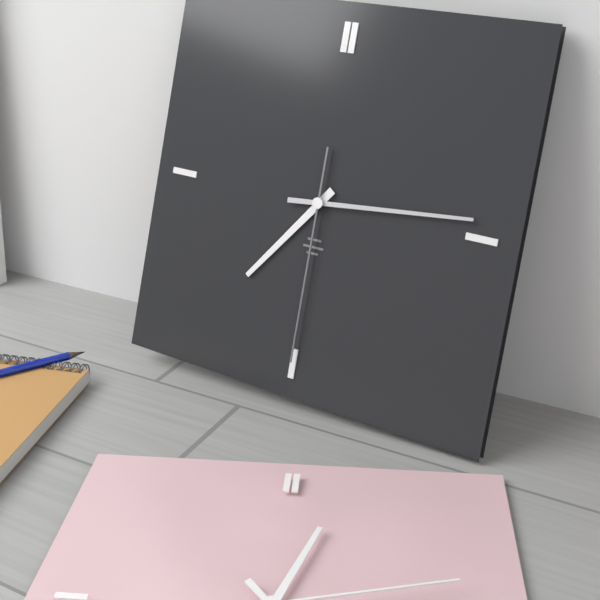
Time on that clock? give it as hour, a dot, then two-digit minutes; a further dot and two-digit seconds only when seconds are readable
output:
7.14.30
